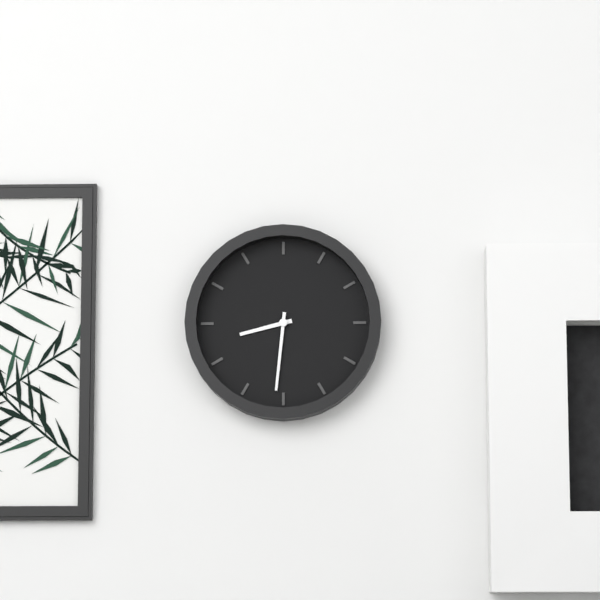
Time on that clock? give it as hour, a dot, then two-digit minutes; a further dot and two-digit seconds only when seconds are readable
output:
8.31
